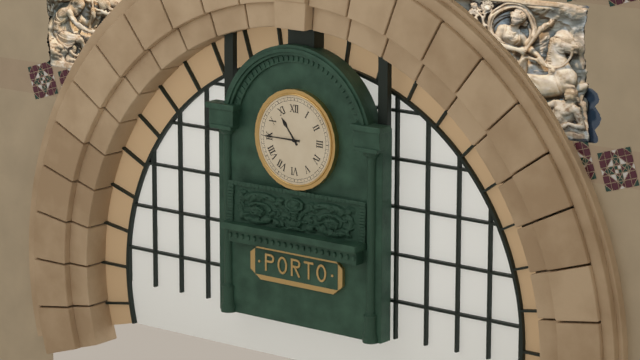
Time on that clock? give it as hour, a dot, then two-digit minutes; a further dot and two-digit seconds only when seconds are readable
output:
10.45
